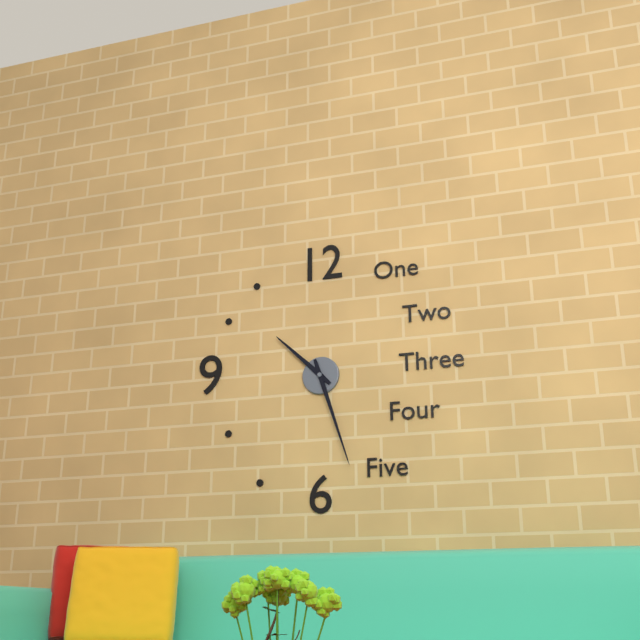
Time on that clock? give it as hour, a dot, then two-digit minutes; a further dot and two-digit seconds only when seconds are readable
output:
10.27
